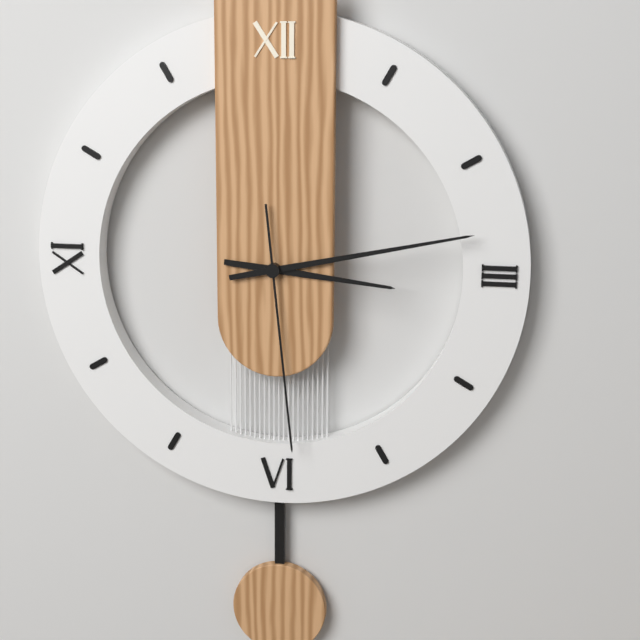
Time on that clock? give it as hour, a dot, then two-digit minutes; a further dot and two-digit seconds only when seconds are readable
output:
3.13.29
